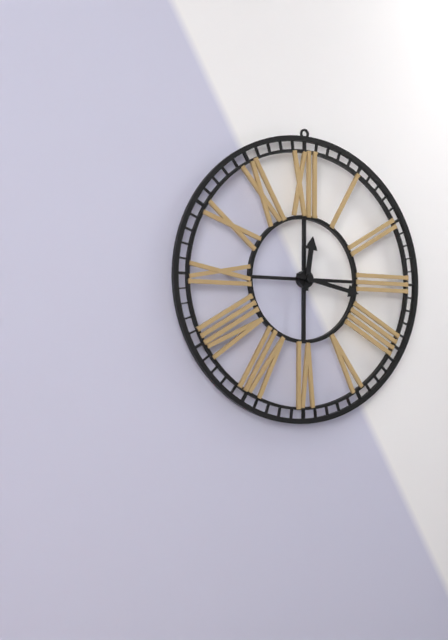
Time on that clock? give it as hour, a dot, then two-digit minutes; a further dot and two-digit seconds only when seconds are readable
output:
12.17
